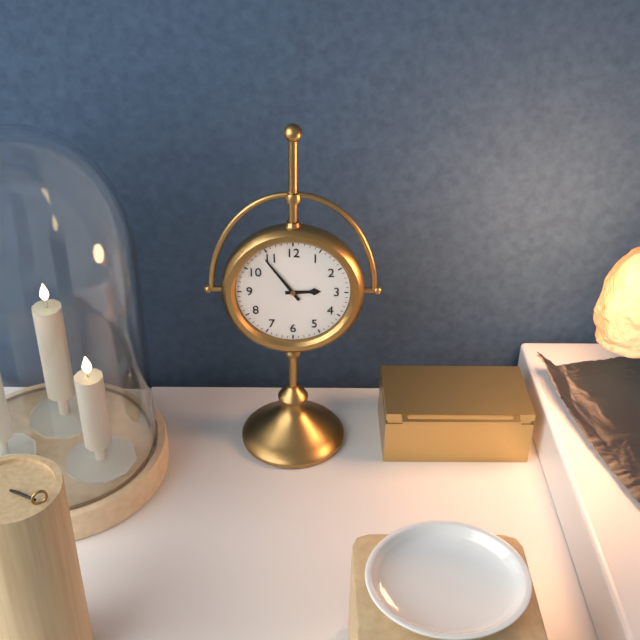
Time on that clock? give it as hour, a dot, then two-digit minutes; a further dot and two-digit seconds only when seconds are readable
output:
2.54
